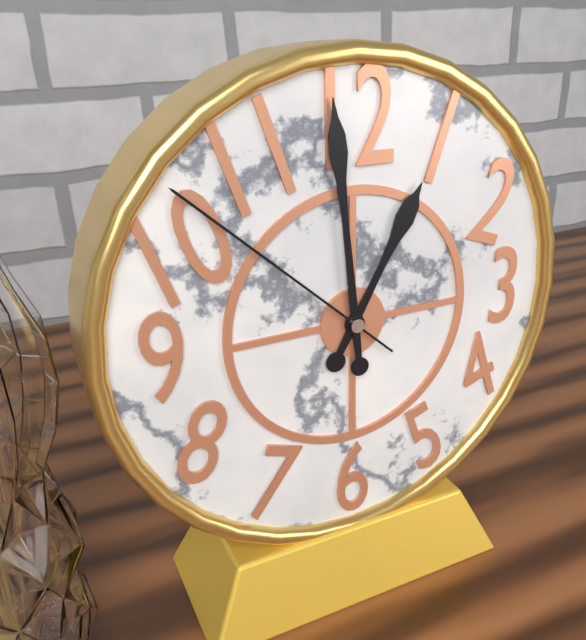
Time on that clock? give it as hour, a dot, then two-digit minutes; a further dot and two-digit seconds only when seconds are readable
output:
12.59.52
